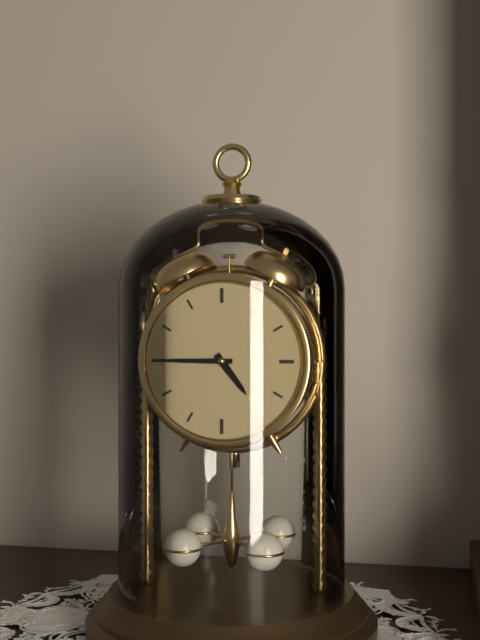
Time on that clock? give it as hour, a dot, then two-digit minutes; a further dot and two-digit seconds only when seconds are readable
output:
4.45
